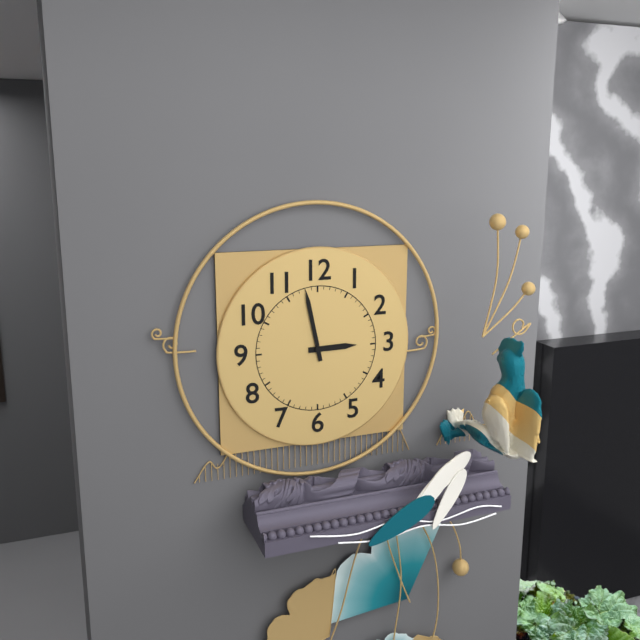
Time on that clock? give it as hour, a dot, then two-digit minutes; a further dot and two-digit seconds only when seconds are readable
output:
2.58
